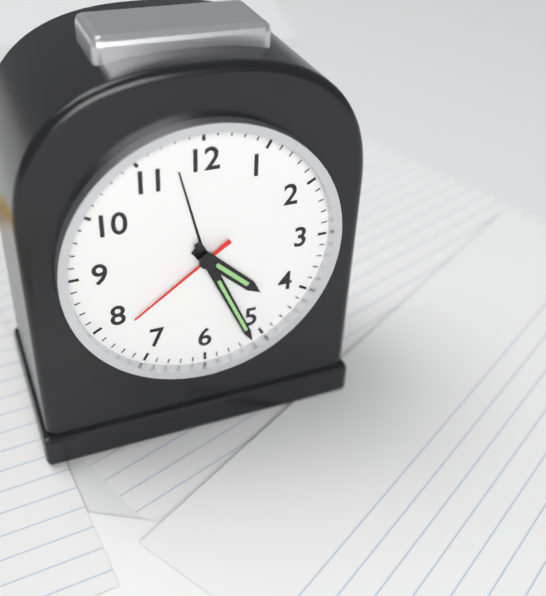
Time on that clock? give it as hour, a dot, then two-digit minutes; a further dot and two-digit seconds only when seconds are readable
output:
4.26.39
